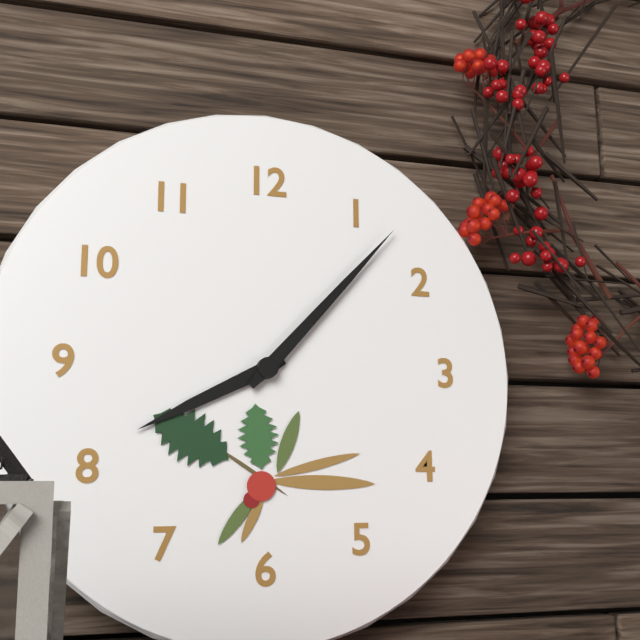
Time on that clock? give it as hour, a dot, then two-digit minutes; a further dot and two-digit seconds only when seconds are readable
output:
8.07
